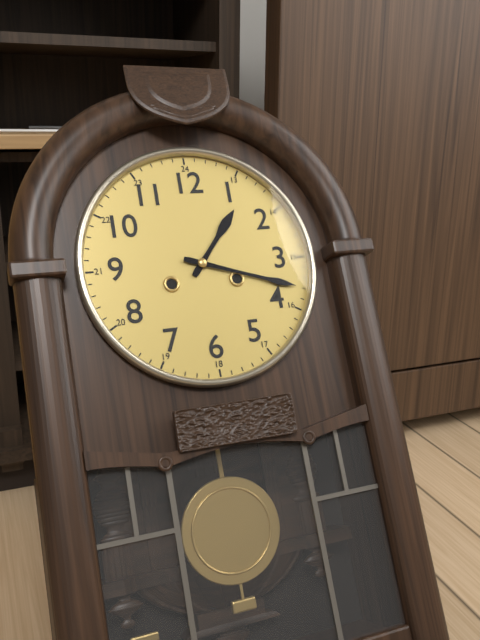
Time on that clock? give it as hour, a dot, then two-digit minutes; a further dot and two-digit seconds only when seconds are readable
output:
1.18
